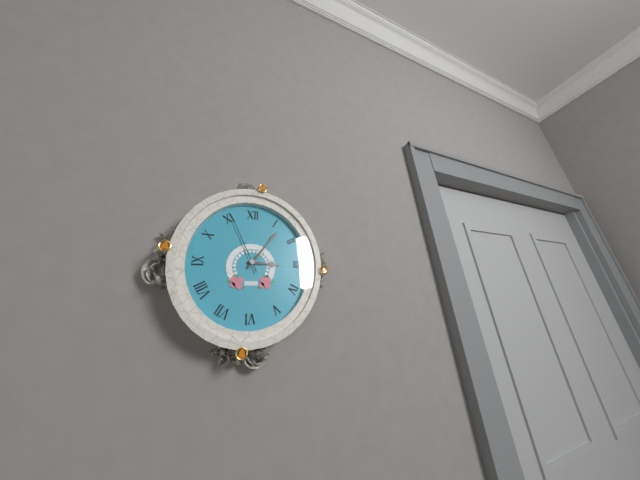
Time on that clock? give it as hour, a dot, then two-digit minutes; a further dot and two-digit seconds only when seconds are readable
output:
3.06.56
